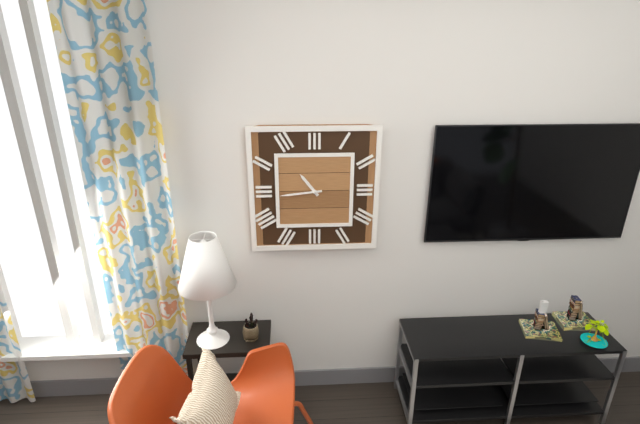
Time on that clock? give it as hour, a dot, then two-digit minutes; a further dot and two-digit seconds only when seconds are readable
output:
10.44
